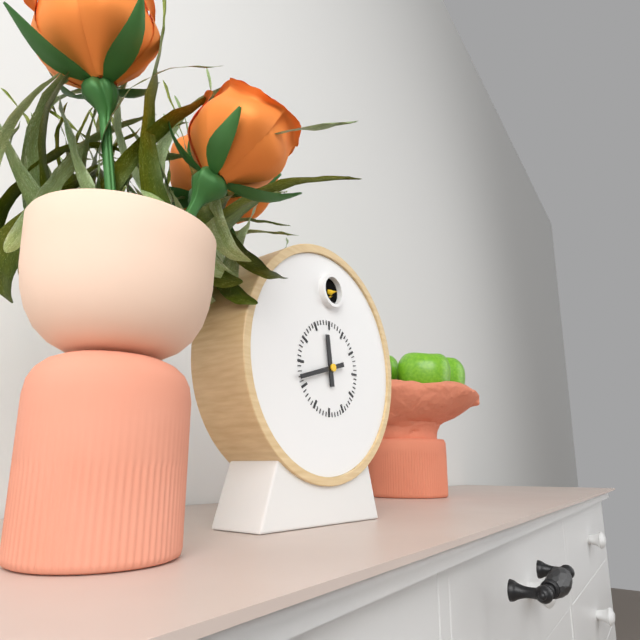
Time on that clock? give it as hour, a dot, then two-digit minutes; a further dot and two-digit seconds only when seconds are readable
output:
11.42
